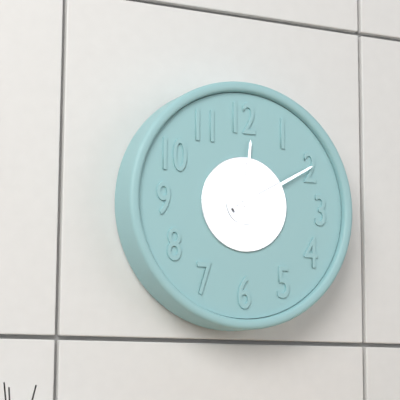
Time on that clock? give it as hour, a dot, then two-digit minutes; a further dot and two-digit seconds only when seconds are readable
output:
12.10
